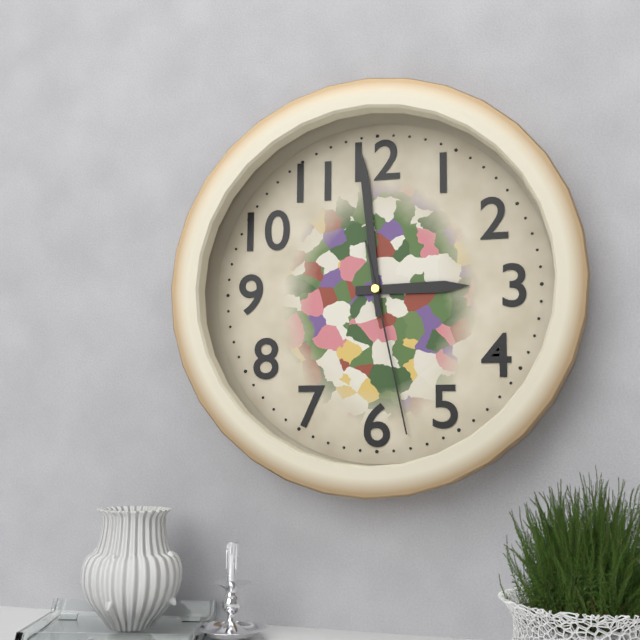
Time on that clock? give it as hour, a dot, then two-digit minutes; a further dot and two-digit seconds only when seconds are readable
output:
2.59.28
